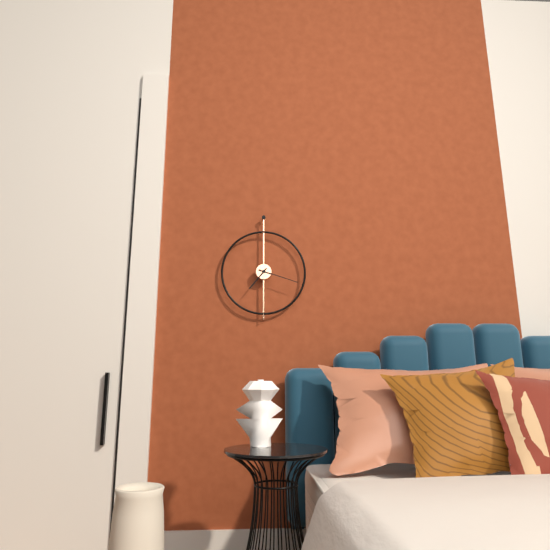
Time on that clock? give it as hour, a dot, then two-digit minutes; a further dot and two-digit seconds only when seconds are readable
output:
7.18
